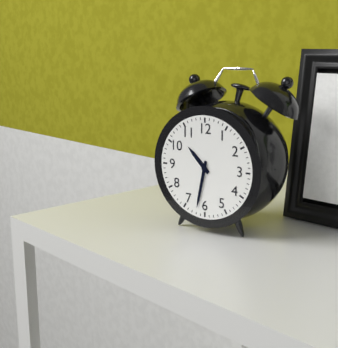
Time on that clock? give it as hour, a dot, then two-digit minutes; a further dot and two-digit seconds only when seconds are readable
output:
10.32
